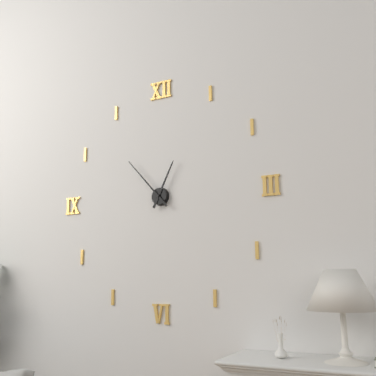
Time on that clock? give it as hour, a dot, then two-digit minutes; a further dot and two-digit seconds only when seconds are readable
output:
12.53
